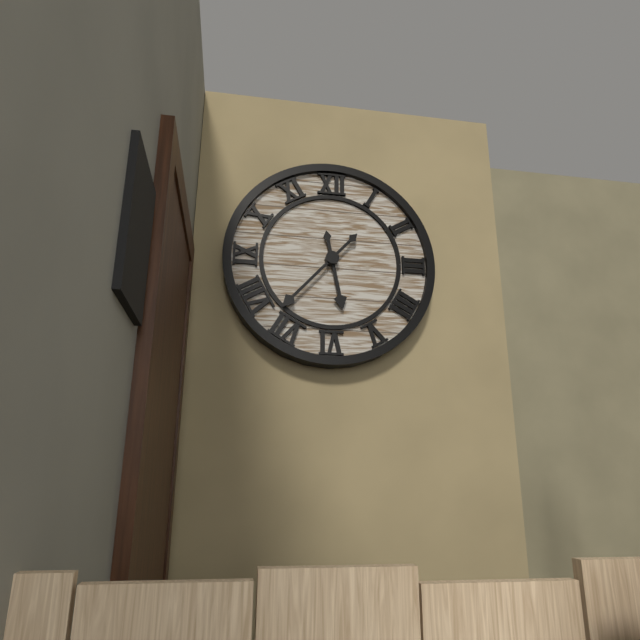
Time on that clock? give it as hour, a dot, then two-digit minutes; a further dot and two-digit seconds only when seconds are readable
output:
5.37
